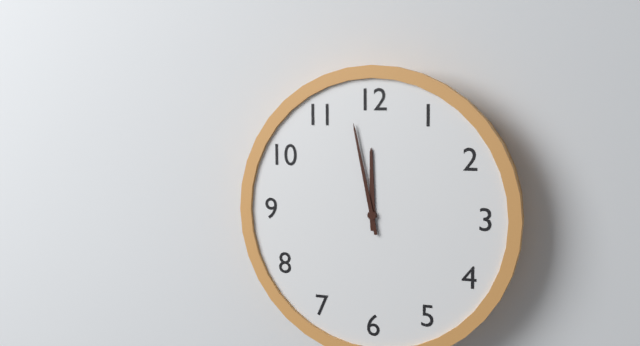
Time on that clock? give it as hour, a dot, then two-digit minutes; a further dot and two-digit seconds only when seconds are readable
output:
11.58
